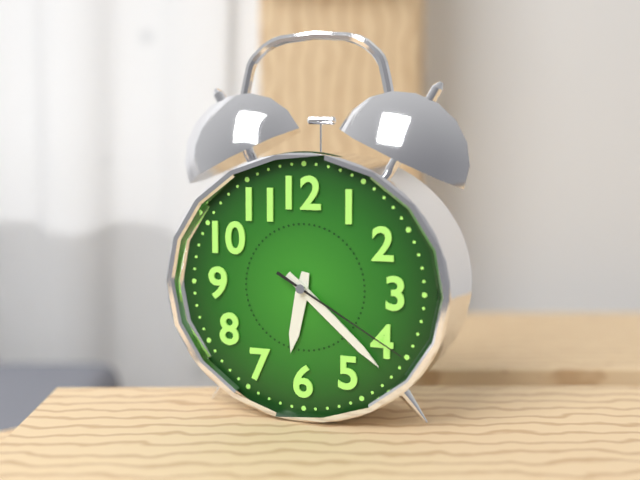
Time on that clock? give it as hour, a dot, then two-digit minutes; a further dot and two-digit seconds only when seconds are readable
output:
6.22.20
